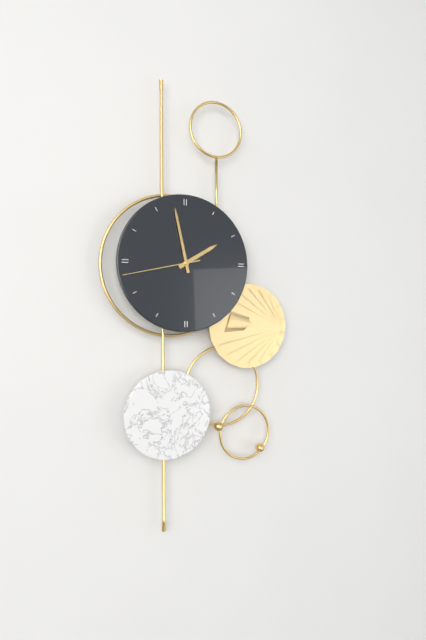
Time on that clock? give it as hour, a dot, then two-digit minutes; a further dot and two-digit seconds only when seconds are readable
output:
1.58.43
